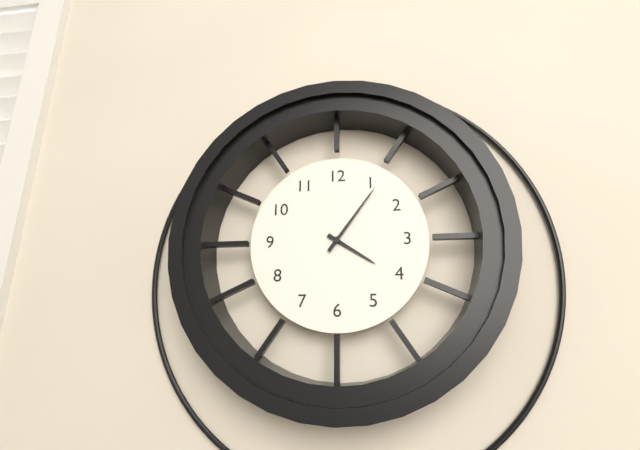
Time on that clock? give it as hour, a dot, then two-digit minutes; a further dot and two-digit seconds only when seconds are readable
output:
4.06
